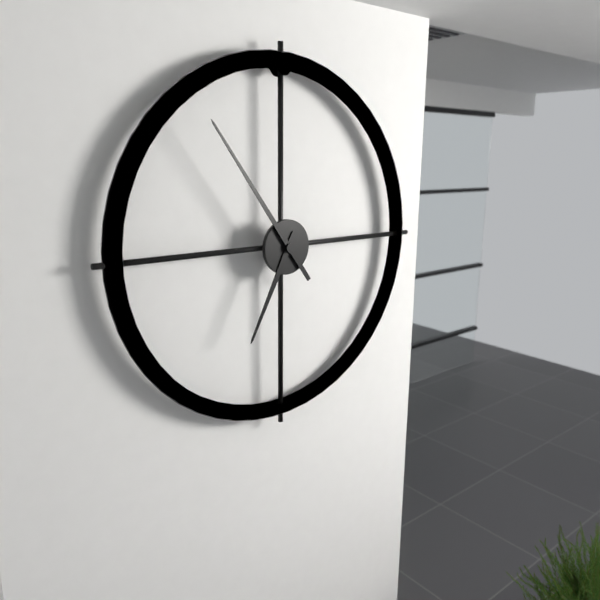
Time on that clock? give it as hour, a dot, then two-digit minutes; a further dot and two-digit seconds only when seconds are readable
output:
6.54
